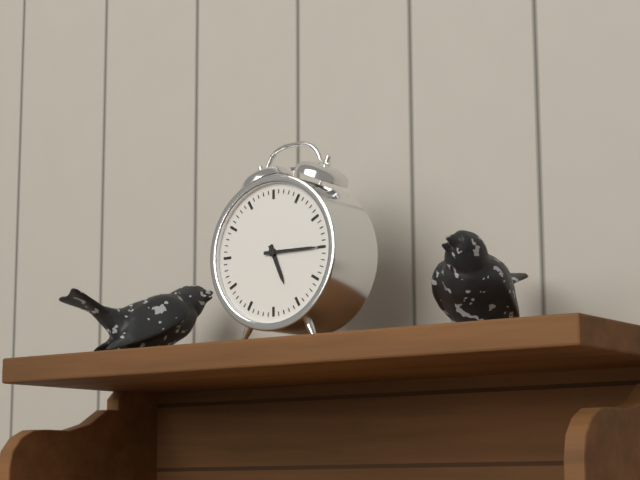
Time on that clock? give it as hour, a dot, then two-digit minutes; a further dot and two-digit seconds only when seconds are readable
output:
5.15
